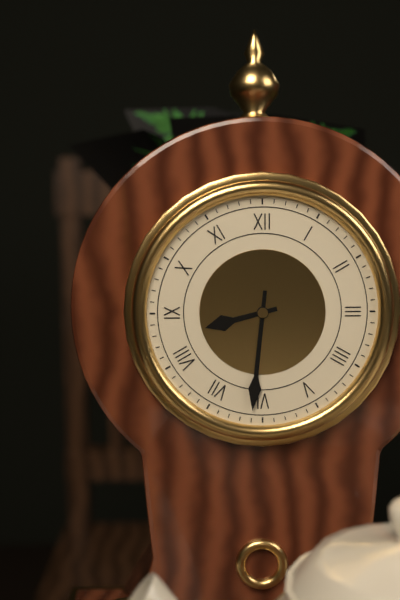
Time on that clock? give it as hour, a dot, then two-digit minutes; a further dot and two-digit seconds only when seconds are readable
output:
8.31
